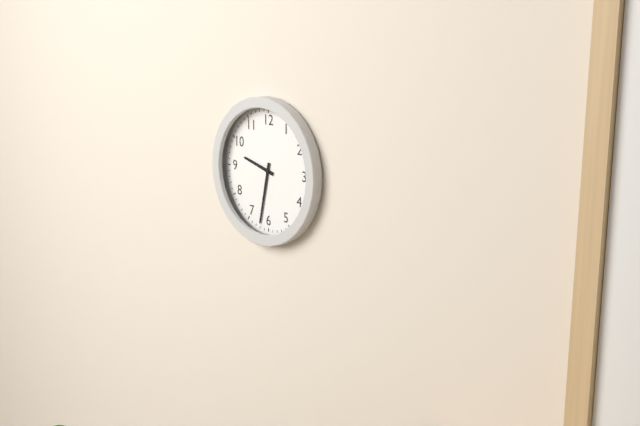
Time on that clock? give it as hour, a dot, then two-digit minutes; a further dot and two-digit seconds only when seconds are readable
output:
9.32
